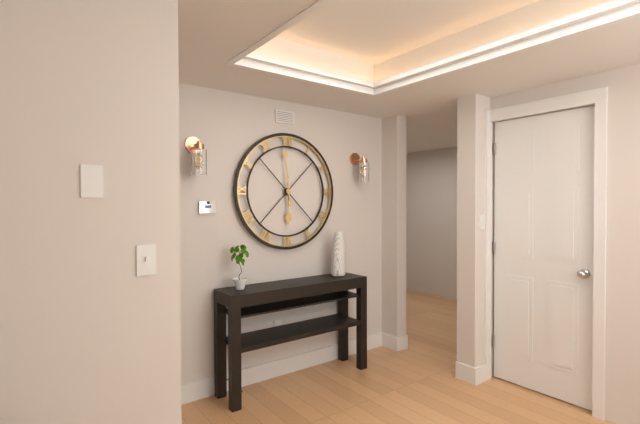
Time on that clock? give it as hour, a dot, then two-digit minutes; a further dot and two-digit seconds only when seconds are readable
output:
5.59
